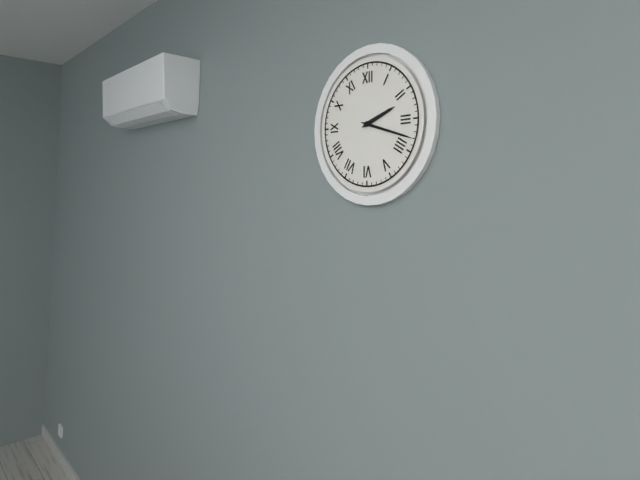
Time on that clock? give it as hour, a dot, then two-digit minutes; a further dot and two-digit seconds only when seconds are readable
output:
2.18
